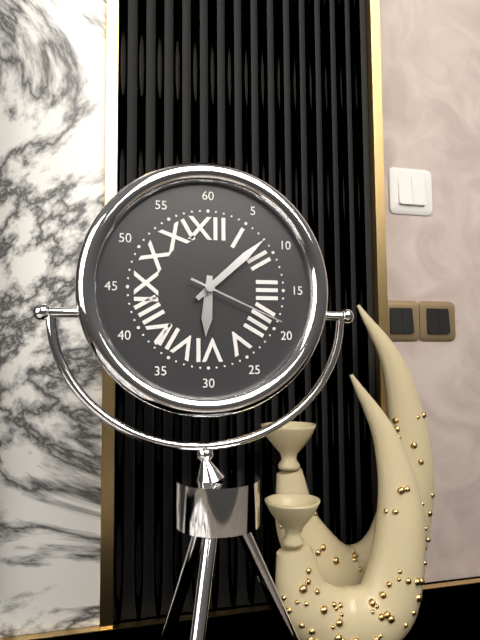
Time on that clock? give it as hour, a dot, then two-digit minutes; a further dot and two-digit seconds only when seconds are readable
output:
6.08.19
